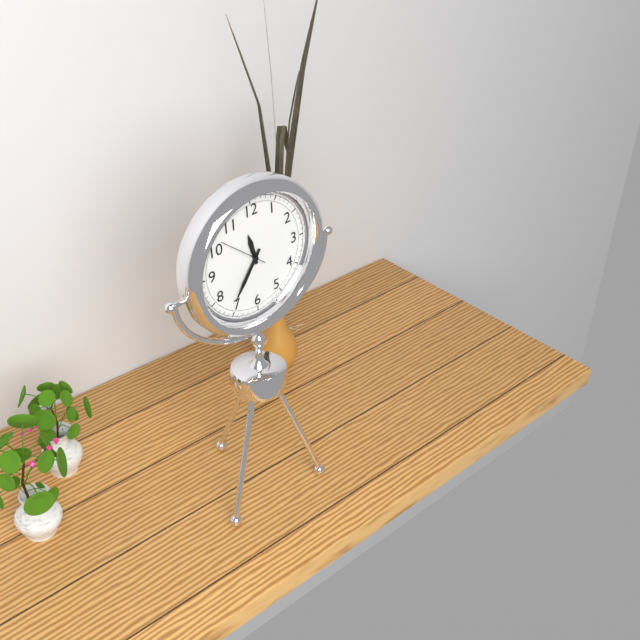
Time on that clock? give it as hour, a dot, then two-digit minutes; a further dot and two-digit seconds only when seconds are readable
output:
11.36
